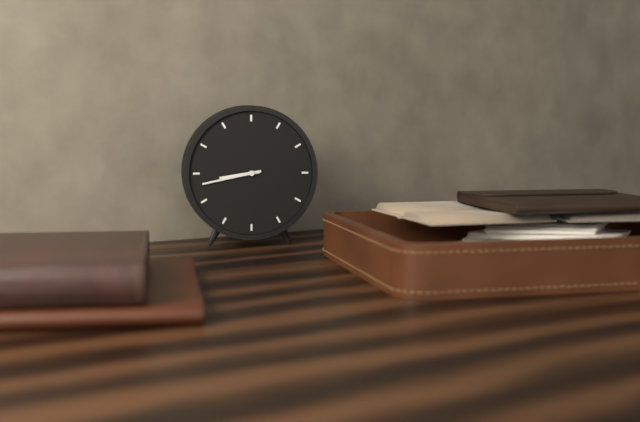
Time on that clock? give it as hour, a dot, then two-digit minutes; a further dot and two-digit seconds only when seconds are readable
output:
8.43
